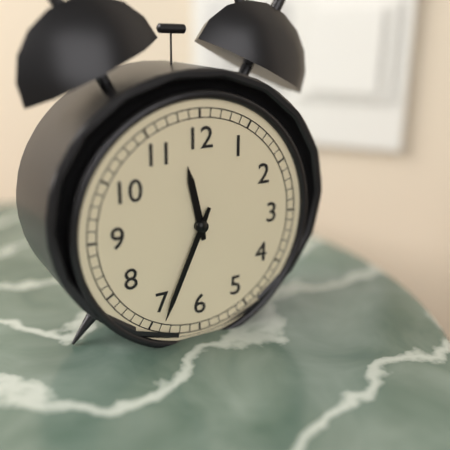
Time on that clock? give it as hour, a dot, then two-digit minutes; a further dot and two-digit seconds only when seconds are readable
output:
11.34
